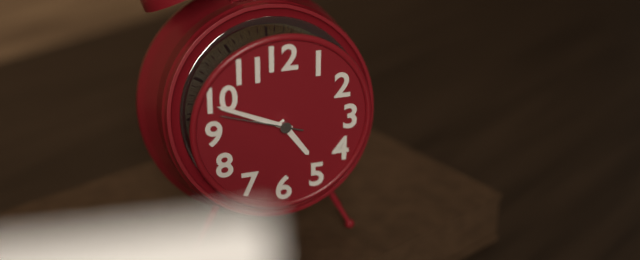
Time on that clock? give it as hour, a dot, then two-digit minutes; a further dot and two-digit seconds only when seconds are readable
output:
4.49.48
